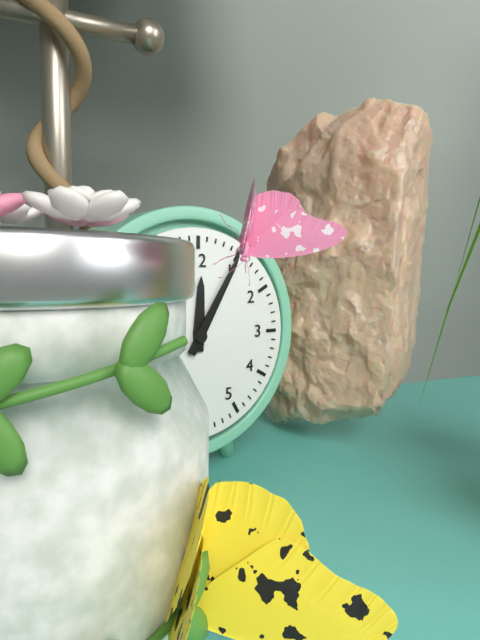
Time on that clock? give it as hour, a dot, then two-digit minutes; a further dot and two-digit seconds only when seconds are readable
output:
12.05
